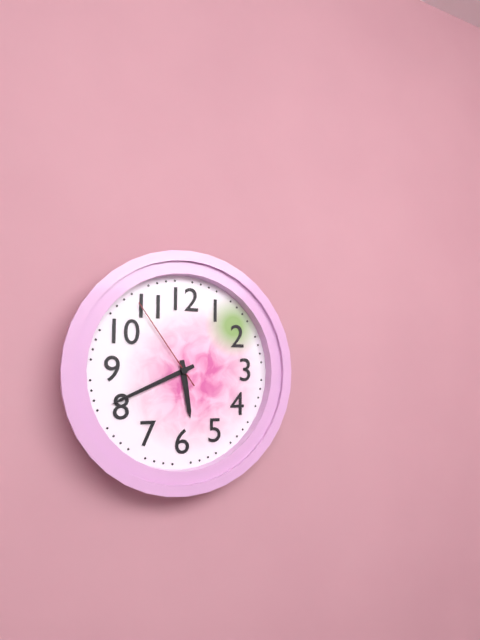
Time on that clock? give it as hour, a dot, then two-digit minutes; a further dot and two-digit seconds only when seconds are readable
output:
5.41.54
